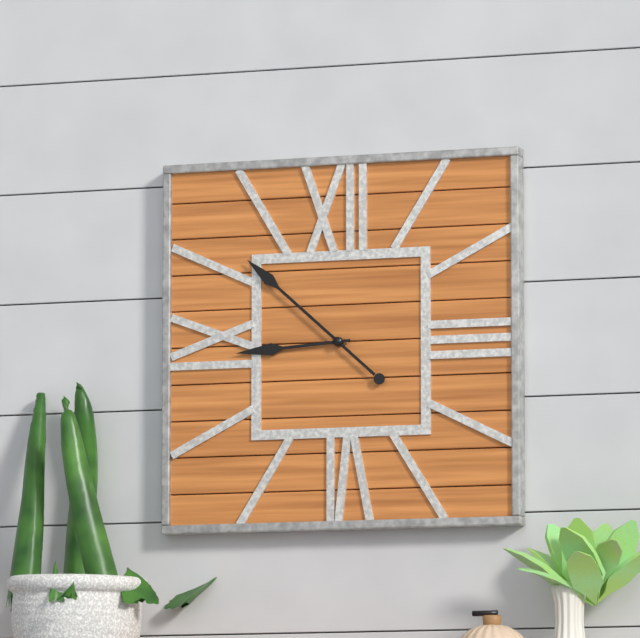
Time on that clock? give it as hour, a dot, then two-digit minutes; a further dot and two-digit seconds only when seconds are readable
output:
8.52
